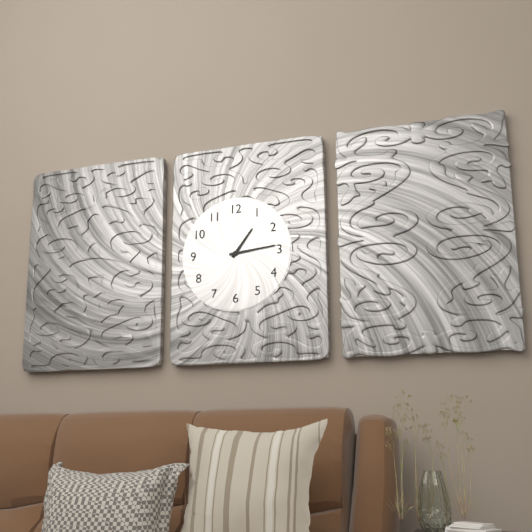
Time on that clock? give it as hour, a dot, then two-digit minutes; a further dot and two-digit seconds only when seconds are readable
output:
1.14
